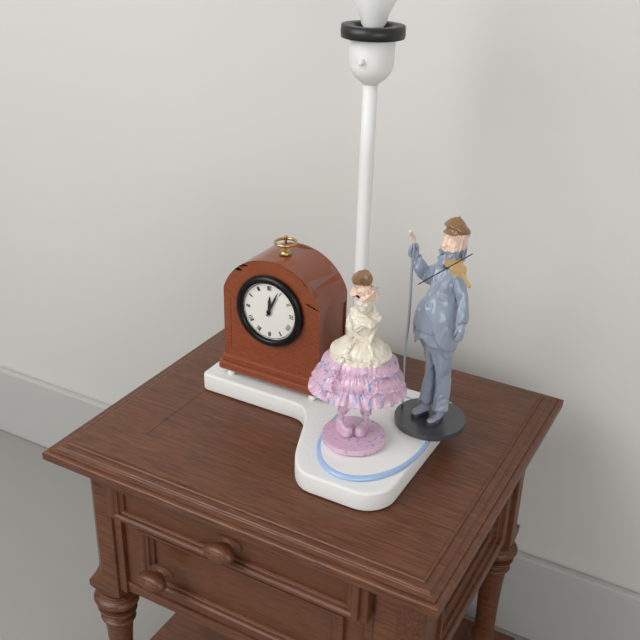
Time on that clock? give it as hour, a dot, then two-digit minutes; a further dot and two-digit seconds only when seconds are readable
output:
12.04
